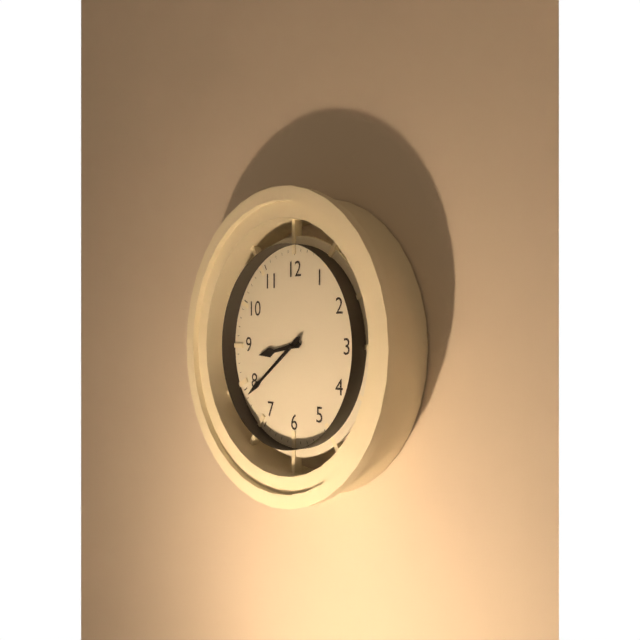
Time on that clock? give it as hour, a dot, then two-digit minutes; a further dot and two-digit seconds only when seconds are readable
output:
8.39
